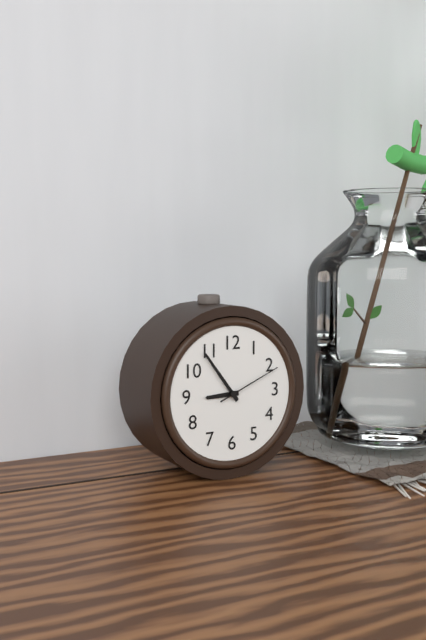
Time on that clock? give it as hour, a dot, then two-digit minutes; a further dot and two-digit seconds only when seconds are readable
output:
8.54.11
